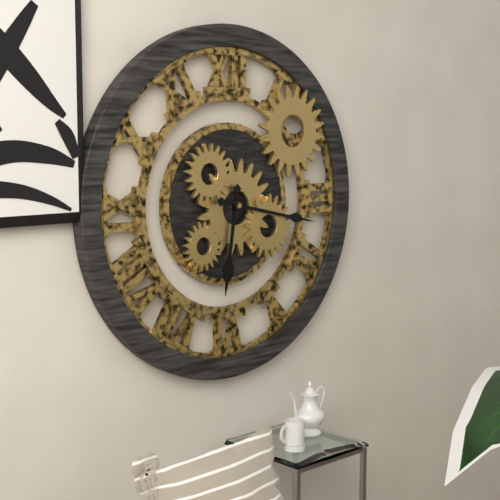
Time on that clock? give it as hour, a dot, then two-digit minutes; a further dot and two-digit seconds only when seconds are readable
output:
6.17
